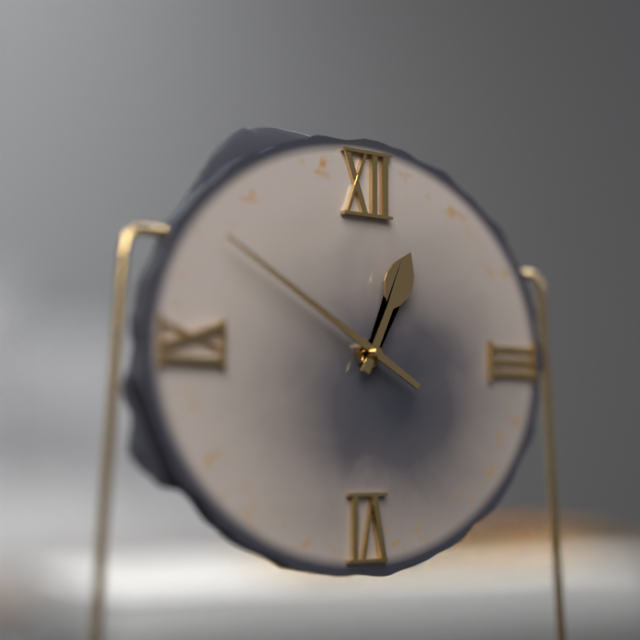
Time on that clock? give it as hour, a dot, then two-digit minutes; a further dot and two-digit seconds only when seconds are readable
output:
12.50
